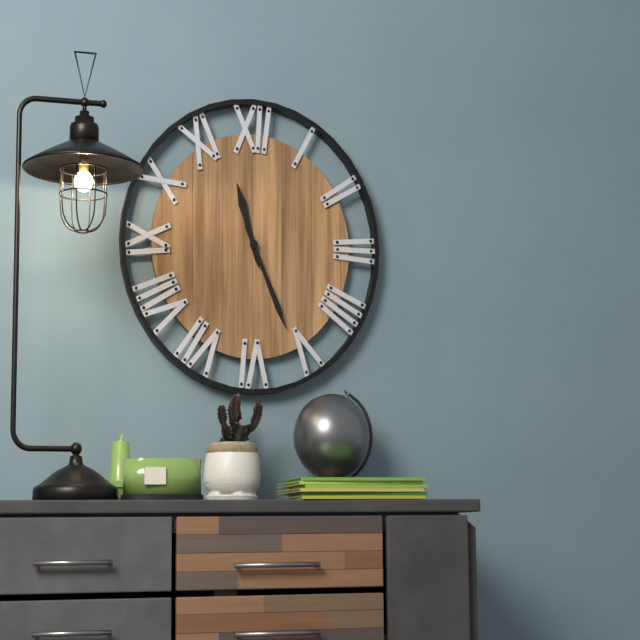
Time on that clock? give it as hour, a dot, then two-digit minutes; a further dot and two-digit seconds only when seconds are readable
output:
11.26
